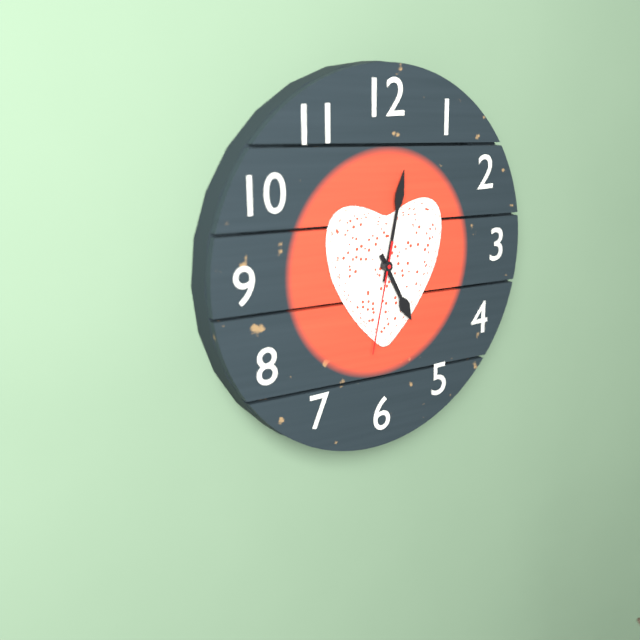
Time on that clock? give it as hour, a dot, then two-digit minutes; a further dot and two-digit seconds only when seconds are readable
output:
5.02.32
